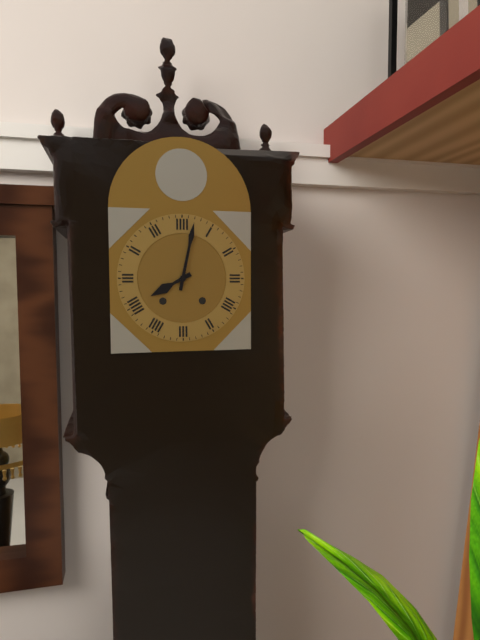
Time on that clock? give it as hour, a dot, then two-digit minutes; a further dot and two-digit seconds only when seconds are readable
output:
8.02
